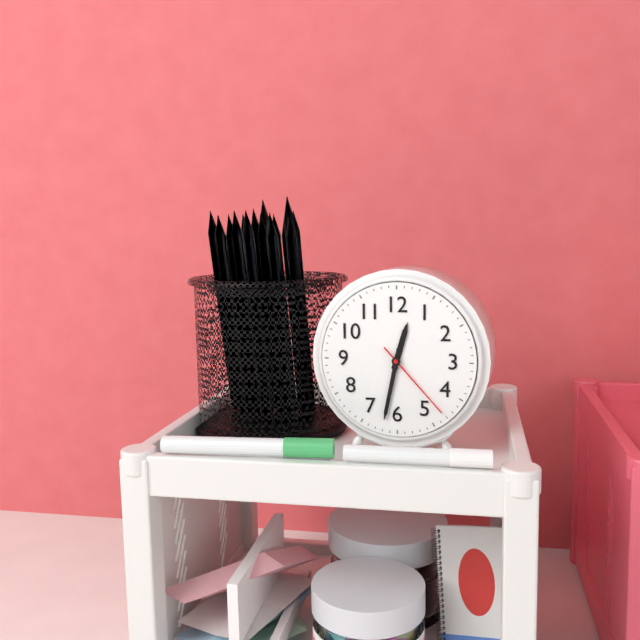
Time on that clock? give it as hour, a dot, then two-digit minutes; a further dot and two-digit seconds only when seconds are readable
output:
12.32.23
